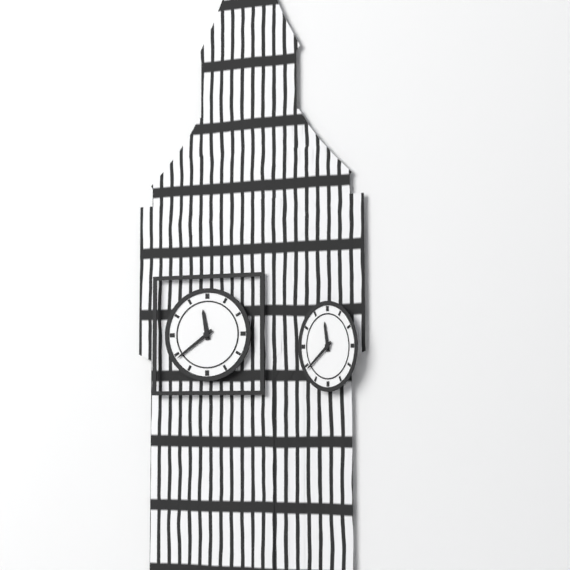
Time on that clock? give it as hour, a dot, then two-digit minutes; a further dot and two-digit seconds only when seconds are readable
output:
11.39
